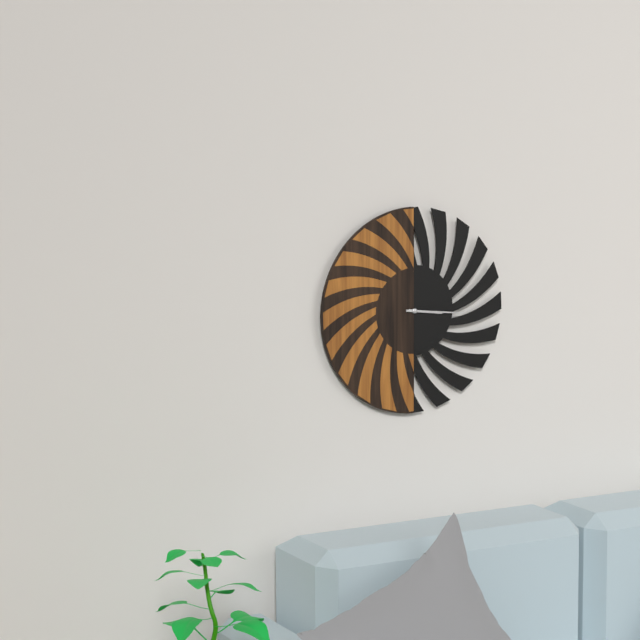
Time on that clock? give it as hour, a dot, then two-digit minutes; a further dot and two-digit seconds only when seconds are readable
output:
3.16
